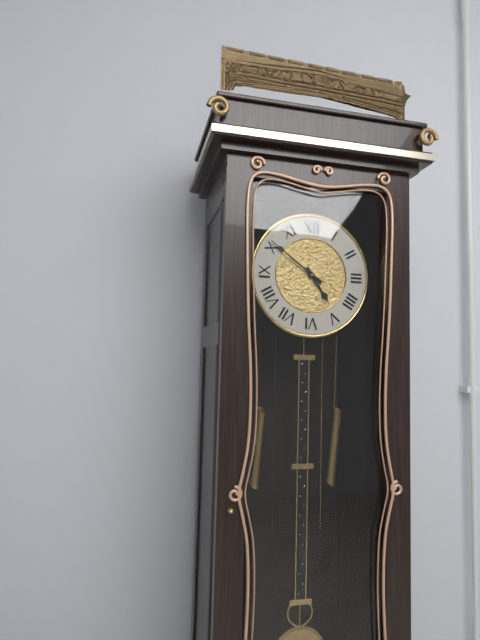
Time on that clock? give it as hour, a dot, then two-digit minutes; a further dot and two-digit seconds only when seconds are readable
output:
4.51
